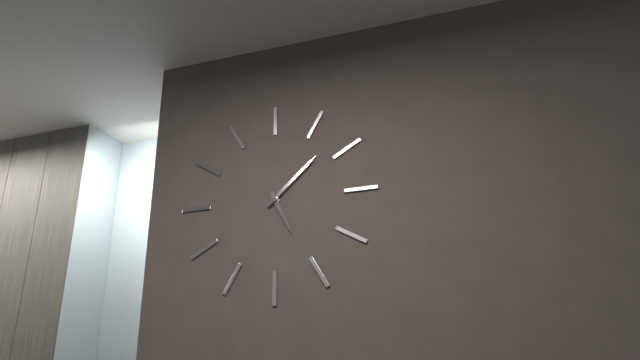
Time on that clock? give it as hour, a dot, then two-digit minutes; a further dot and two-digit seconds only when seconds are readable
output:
5.08
